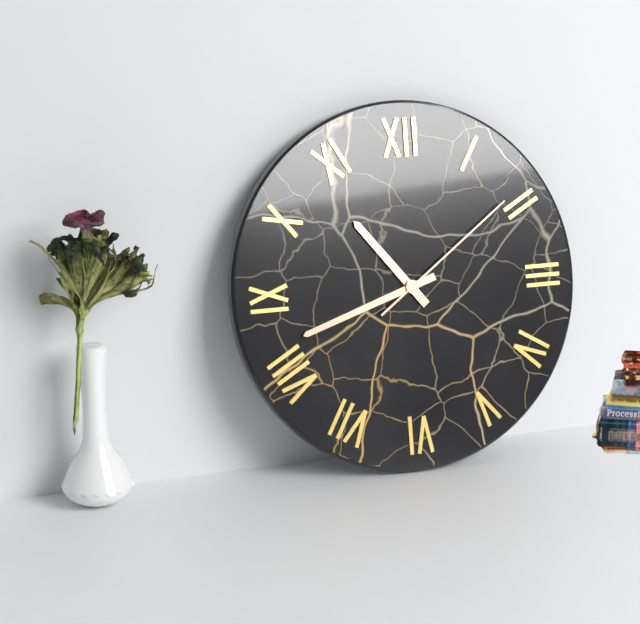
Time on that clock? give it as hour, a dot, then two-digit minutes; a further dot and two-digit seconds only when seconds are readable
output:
10.42.09
